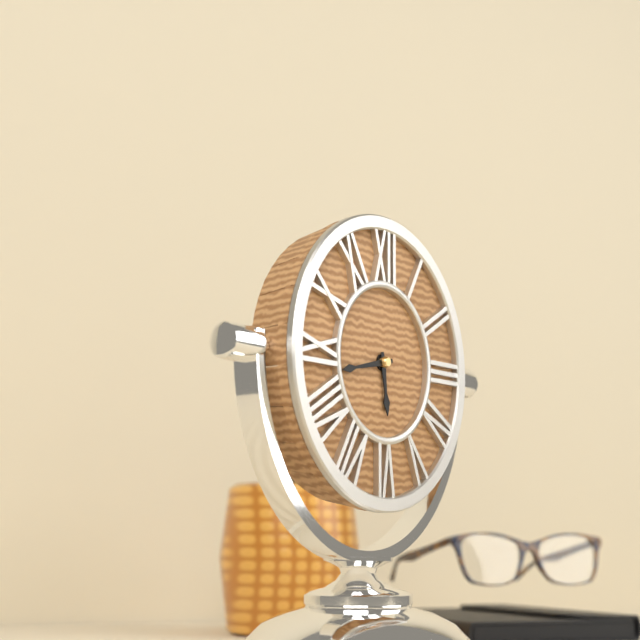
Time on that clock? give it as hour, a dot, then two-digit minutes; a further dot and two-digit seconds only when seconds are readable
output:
5.43
